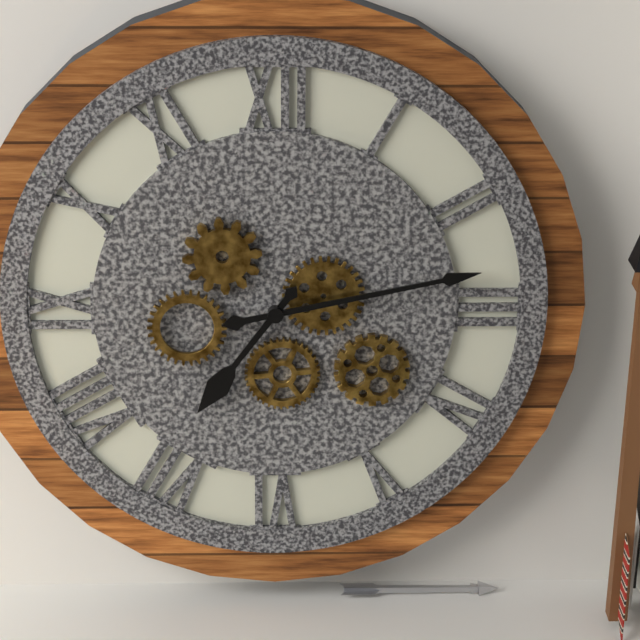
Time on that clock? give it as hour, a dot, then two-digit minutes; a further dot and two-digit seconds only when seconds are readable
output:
7.13
